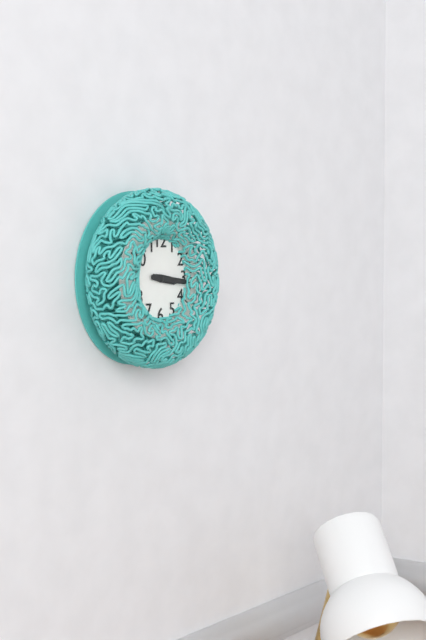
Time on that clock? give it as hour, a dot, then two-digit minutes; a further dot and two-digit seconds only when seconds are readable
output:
3.16
